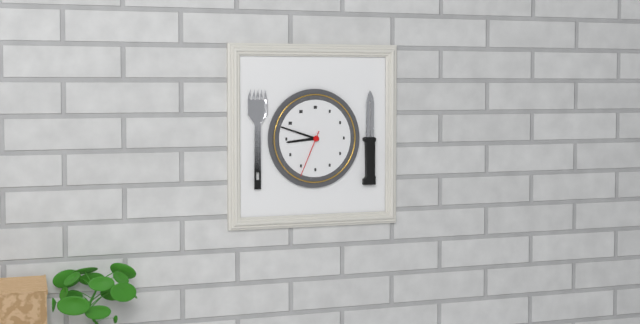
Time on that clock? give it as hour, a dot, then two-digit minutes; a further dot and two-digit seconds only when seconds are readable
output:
8.48.34
